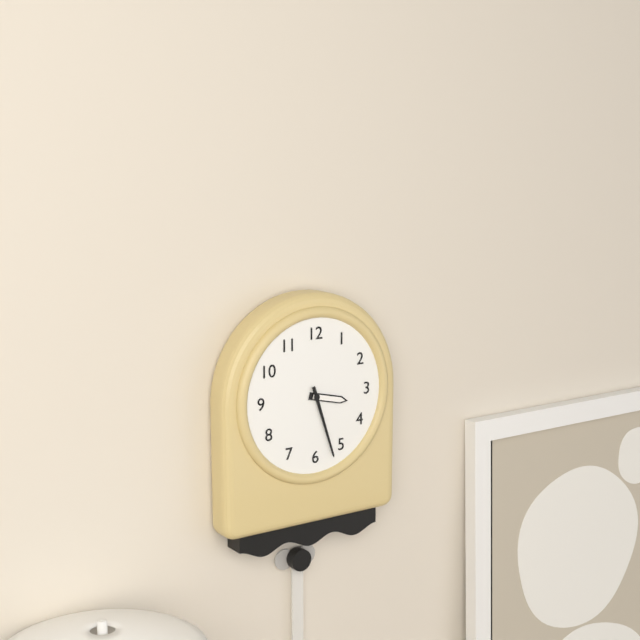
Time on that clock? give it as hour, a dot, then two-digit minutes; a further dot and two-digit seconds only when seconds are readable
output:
3.27
